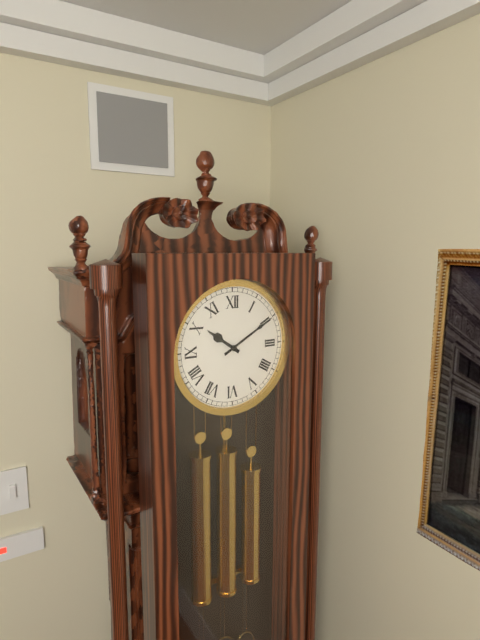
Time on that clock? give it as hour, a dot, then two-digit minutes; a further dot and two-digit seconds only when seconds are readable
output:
10.10
